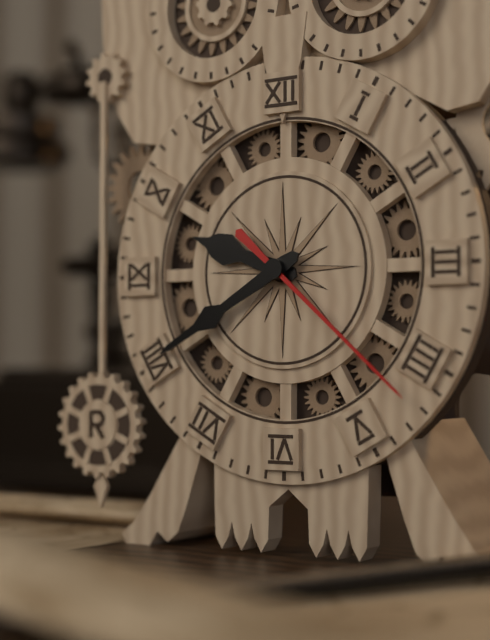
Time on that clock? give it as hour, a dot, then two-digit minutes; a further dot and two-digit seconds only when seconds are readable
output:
9.40.22
